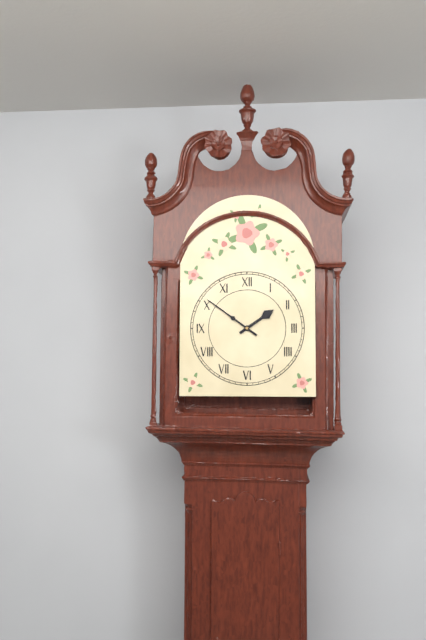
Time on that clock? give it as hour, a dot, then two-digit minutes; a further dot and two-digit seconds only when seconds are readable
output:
1.51
